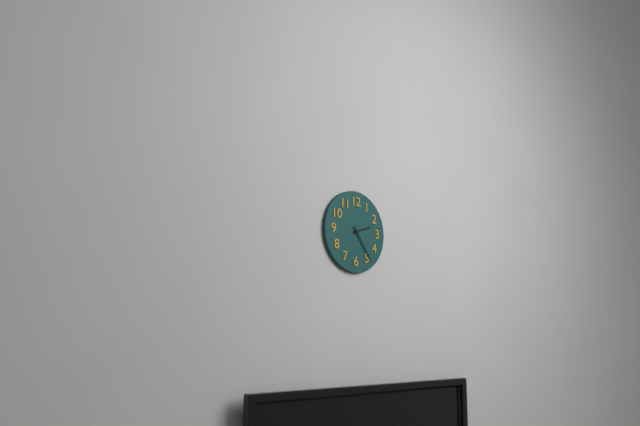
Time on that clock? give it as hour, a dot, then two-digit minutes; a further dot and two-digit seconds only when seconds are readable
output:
2.24
